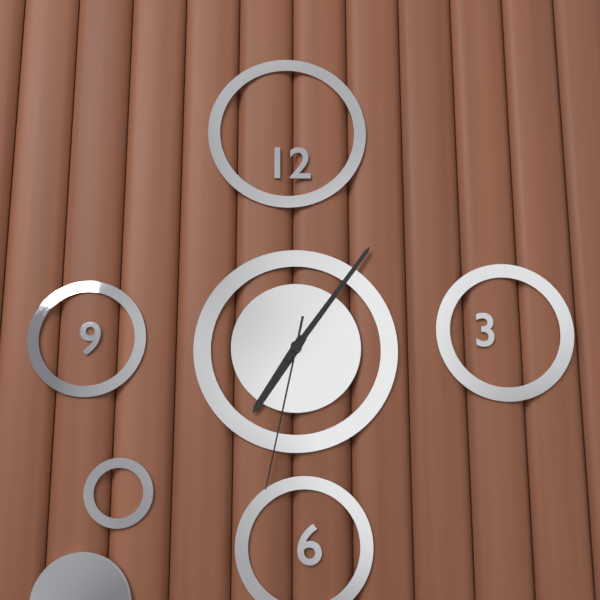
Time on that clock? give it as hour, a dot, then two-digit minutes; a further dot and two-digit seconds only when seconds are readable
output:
7.06.32
